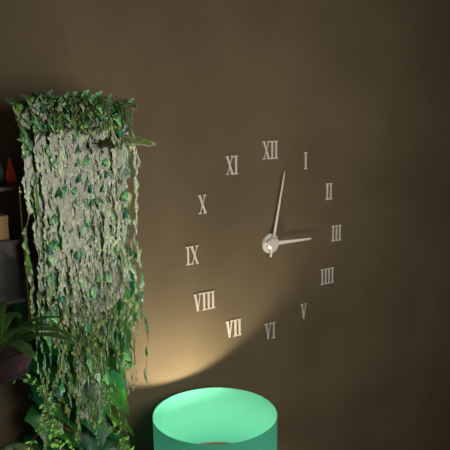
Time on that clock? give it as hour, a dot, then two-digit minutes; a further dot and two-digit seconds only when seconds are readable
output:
3.02
